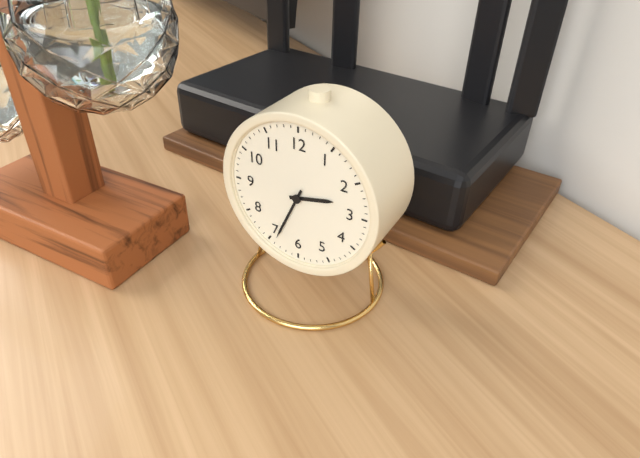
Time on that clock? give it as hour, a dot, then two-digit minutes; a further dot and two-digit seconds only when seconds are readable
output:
2.34
